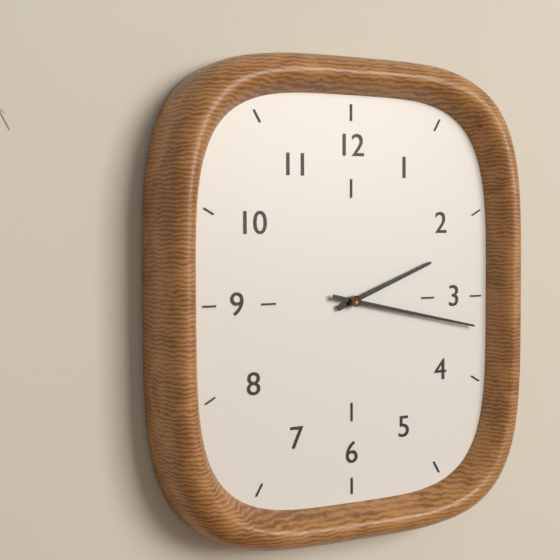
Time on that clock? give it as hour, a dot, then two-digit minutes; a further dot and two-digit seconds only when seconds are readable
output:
2.17
